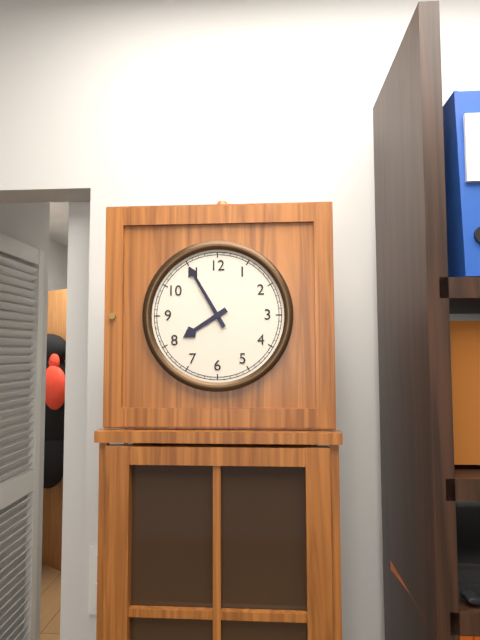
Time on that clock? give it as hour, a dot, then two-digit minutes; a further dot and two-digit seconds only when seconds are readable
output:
7.55
